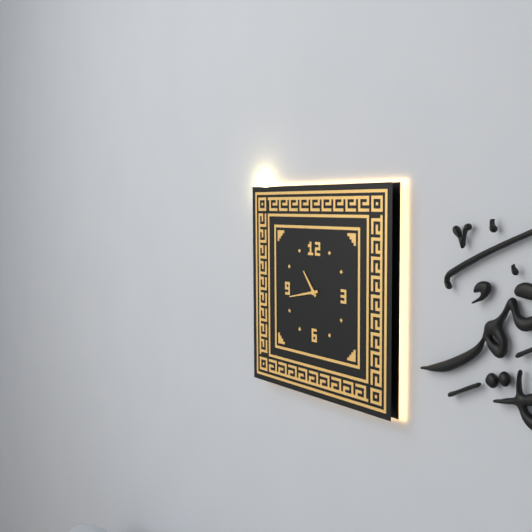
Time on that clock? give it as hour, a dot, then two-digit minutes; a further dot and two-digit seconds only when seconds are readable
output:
10.43
